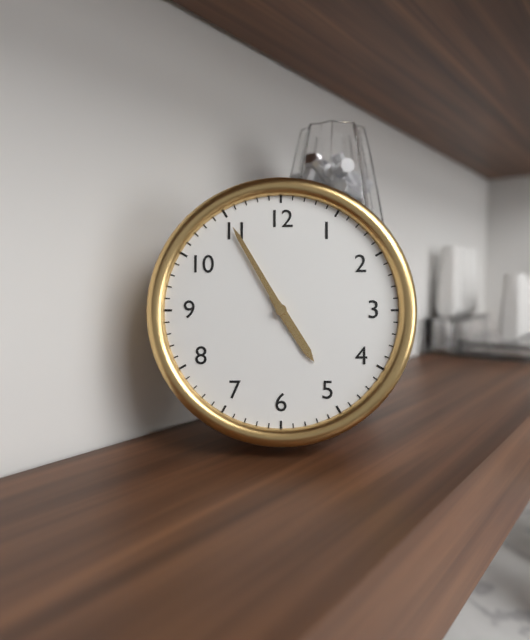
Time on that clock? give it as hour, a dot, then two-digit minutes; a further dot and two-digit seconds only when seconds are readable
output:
4.55
